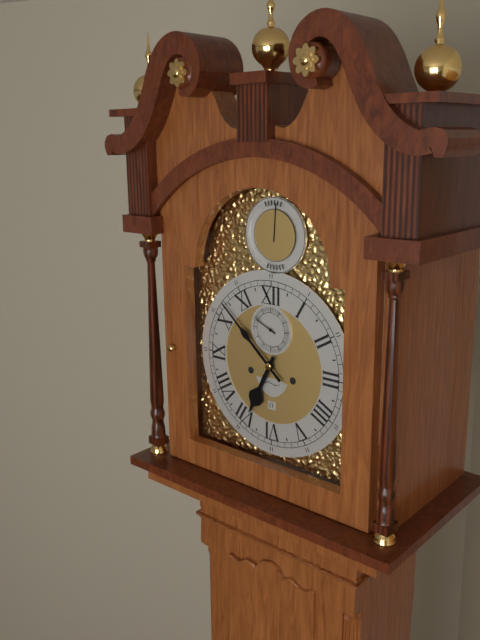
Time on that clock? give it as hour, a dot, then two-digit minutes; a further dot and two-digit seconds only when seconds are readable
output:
6.52
